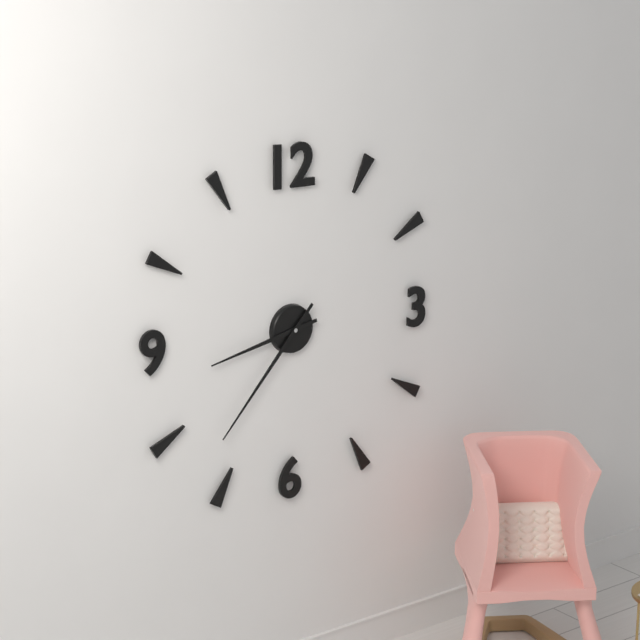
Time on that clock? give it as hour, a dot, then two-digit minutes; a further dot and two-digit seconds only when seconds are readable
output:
8.37
